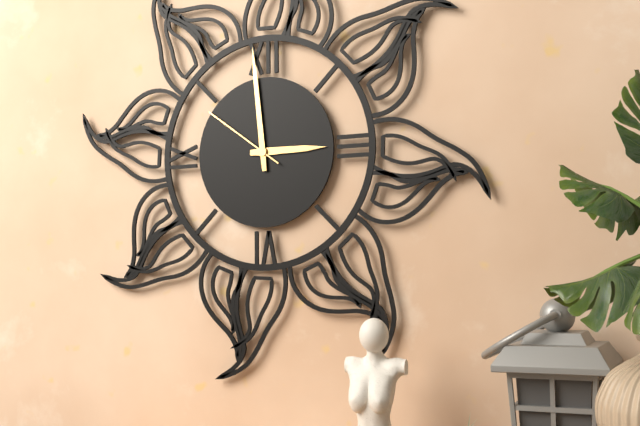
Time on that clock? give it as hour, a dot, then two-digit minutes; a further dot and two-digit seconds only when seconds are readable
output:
2.59.51
